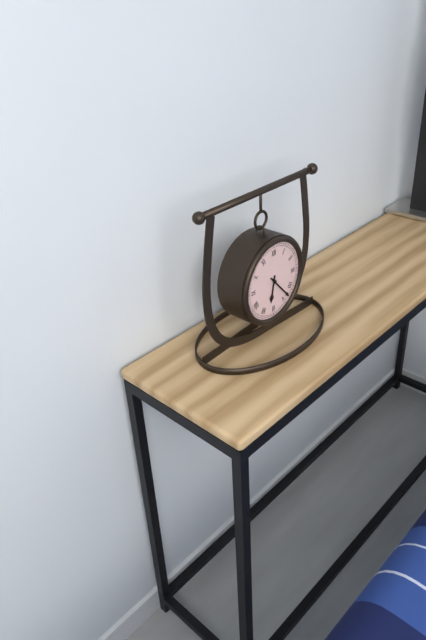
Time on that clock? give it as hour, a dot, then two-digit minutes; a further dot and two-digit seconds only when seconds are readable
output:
6.23
